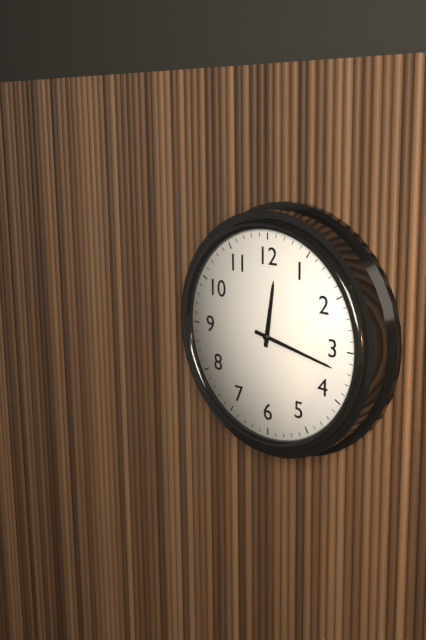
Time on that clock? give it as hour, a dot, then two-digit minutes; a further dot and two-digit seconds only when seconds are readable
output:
12.17
